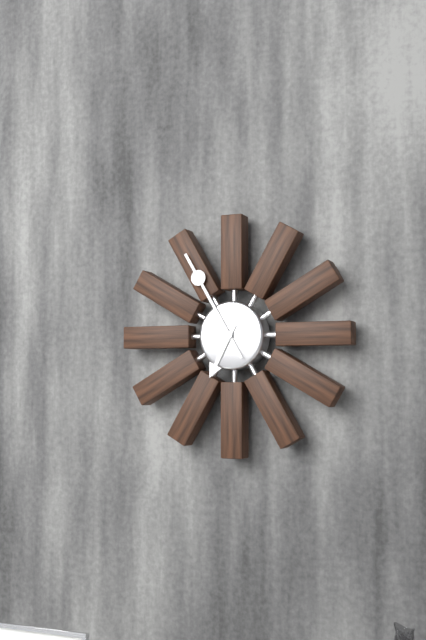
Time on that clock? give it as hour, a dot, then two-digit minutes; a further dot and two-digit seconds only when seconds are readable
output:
6.55
